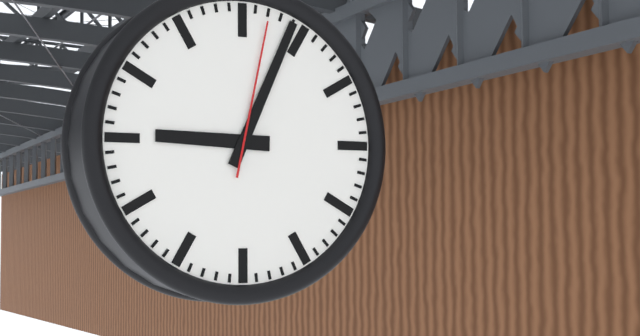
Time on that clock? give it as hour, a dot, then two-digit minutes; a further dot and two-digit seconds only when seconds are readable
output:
9.04.02
